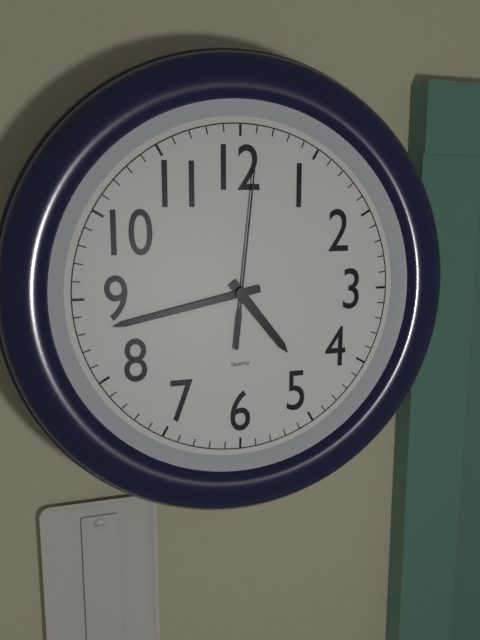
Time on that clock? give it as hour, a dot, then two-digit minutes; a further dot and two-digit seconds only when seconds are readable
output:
4.43.01
